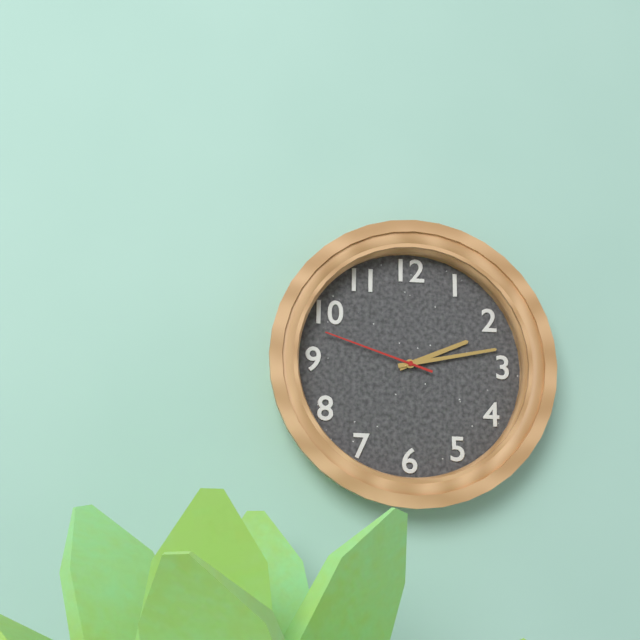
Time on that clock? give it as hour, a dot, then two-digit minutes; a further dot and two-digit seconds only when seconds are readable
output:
2.13.48
